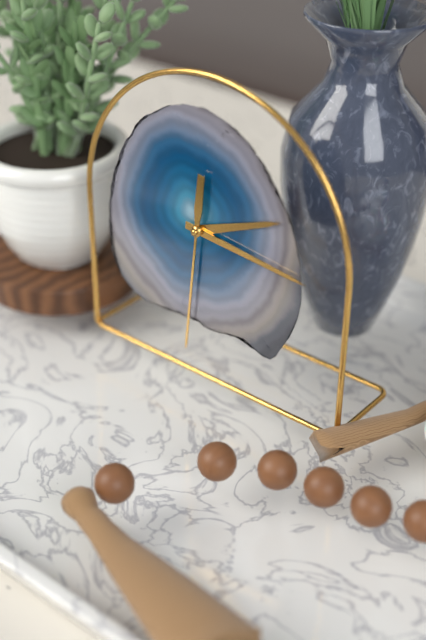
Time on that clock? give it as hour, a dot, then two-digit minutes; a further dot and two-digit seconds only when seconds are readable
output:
2.16.31
